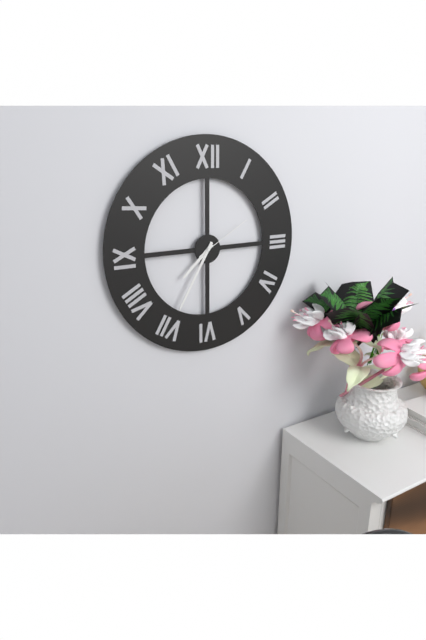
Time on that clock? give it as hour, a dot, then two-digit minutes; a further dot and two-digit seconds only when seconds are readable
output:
7.35.10
